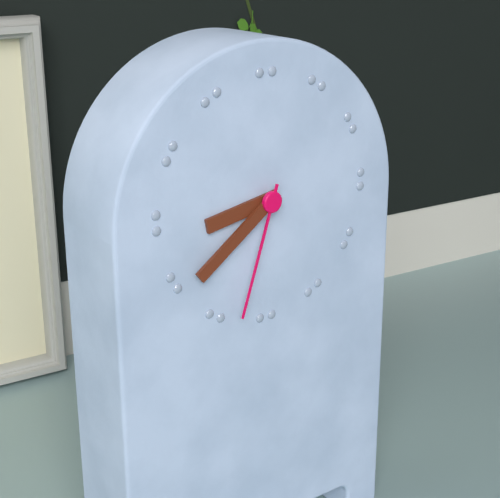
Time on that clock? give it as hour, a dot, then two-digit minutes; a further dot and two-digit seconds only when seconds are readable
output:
8.39.33
